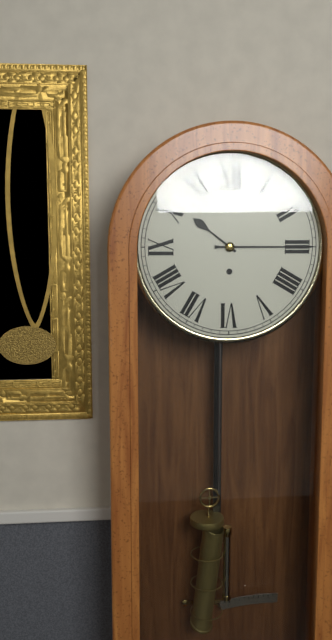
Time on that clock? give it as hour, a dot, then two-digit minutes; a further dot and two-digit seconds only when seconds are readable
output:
10.15
